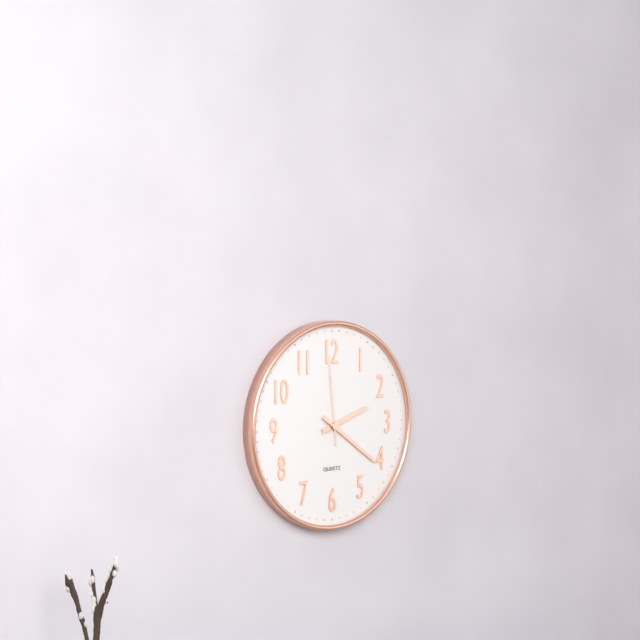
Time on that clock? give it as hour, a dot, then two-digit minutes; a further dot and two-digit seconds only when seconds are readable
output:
2.21.59
